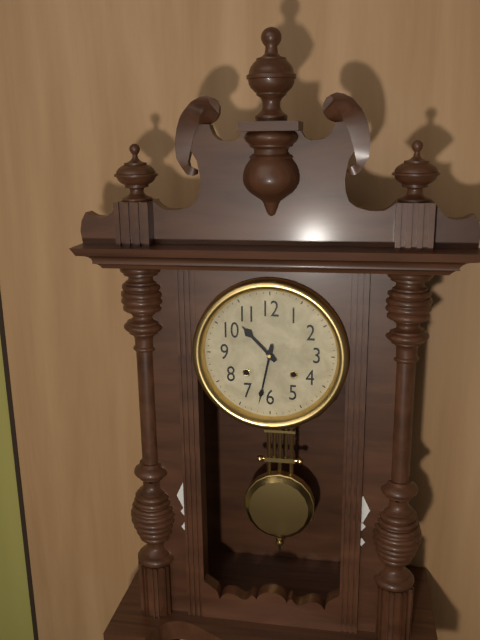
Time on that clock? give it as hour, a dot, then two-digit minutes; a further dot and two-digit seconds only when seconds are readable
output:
10.32
